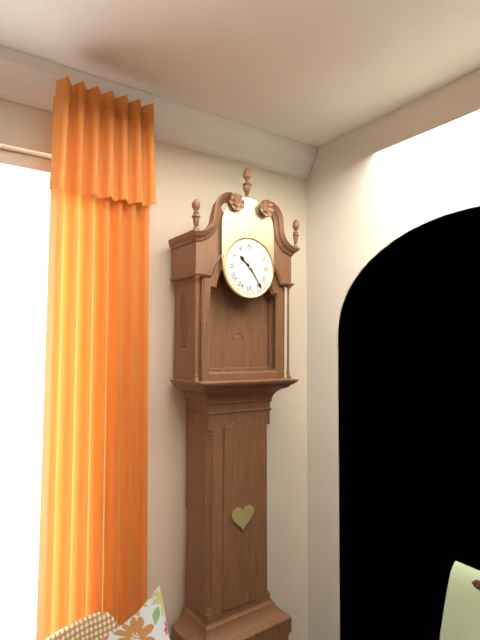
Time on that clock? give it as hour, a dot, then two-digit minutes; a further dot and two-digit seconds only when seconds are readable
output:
10.24
